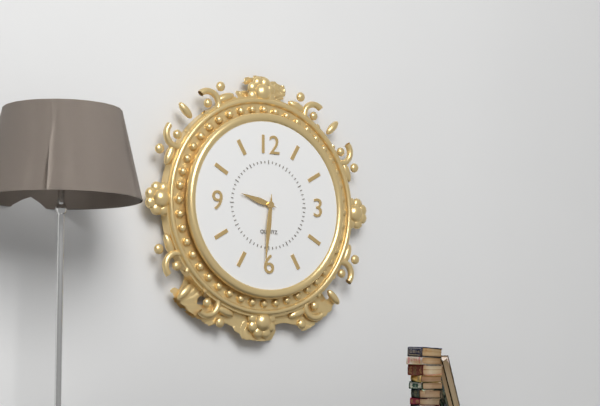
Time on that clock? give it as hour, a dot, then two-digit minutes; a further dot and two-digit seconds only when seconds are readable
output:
9.31
